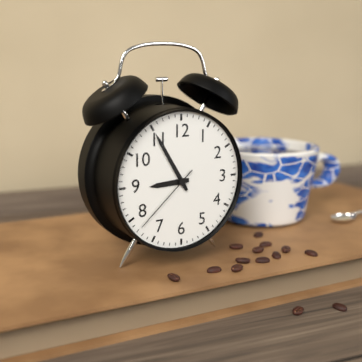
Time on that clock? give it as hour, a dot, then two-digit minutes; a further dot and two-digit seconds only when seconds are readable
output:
8.55.38
